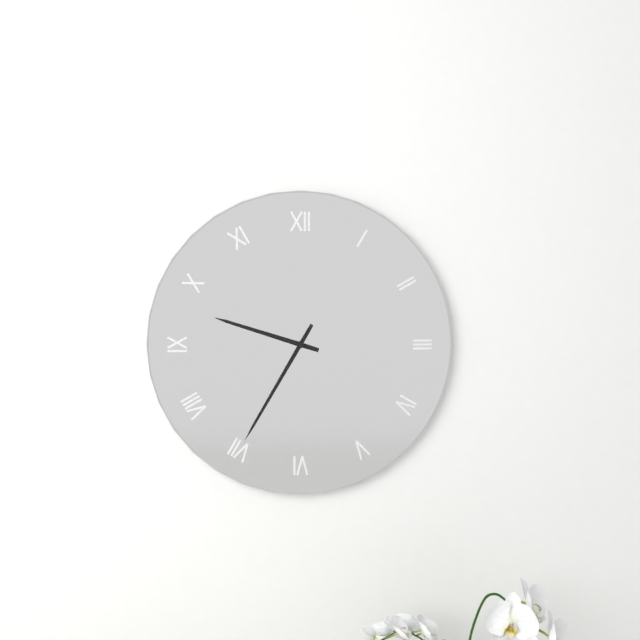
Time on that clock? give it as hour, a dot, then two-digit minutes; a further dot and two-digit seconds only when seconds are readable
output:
9.35
